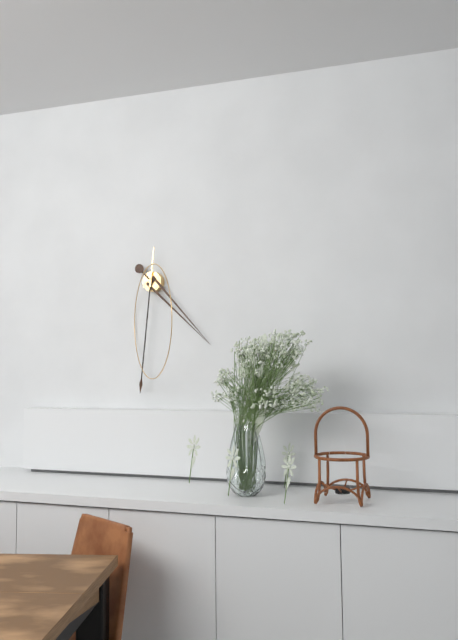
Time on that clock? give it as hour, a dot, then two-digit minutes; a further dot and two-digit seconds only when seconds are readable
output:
4.31
